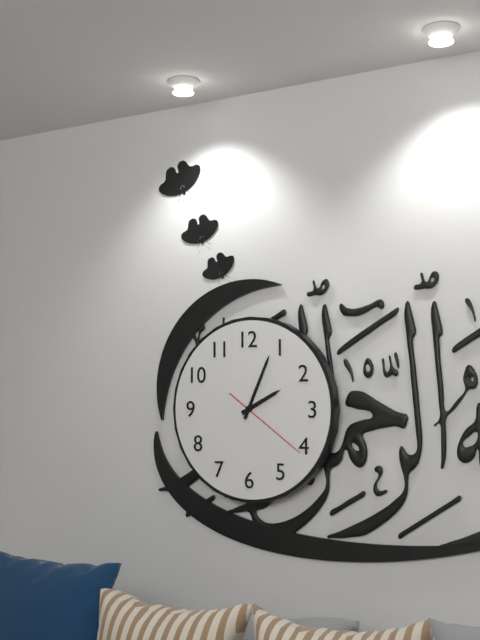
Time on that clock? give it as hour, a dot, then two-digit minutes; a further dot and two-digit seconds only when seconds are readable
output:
2.04.21
